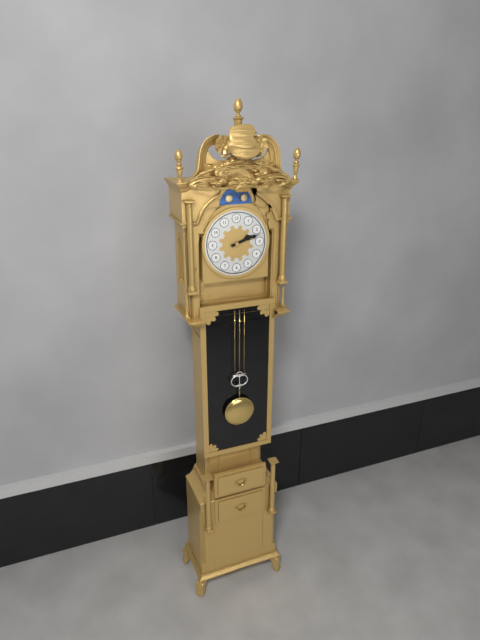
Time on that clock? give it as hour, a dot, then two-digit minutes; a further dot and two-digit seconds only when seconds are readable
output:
2.12
